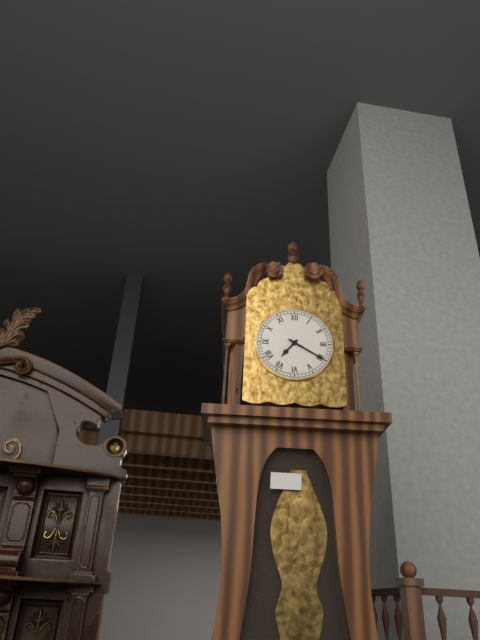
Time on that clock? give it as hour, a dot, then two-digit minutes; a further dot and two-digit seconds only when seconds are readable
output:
7.20
